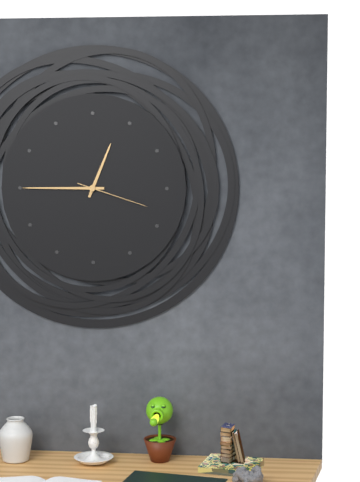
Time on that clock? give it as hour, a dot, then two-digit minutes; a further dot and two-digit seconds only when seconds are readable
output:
12.45.18
